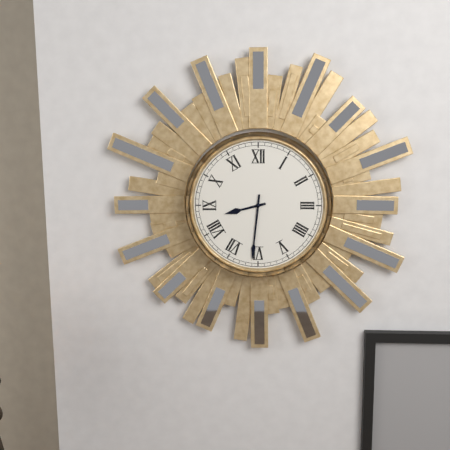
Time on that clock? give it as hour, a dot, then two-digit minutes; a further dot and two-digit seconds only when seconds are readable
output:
8.31
